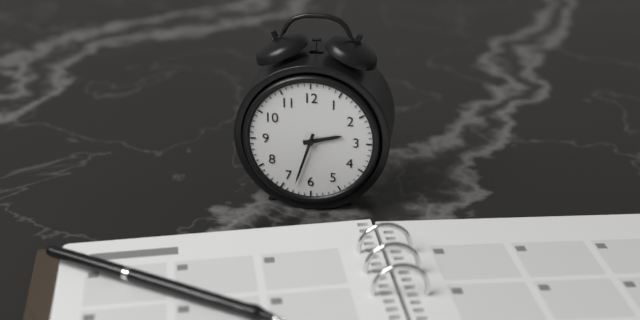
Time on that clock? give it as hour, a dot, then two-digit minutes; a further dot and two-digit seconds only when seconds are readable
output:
2.33
